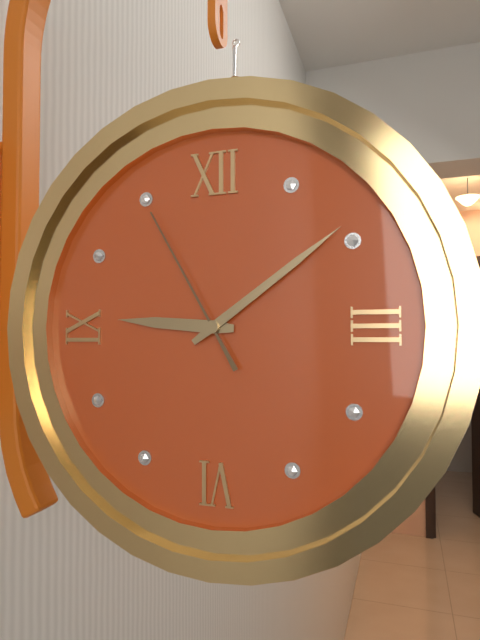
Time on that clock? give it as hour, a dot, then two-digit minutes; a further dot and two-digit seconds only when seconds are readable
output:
9.09.55
